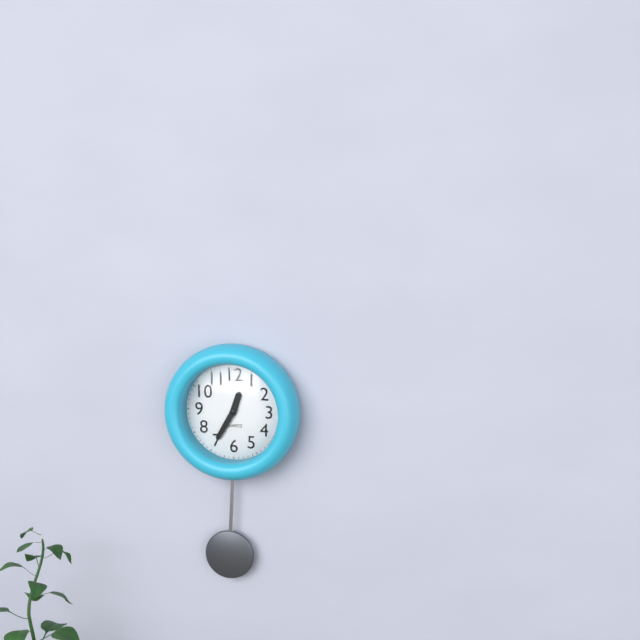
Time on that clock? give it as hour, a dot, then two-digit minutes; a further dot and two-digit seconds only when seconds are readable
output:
12.35
